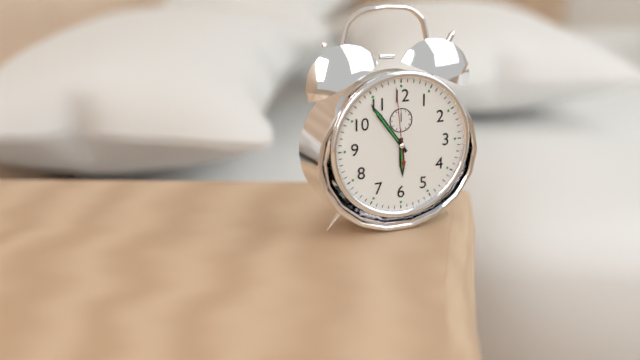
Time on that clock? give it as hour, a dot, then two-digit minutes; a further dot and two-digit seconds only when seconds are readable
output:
5.54.59
